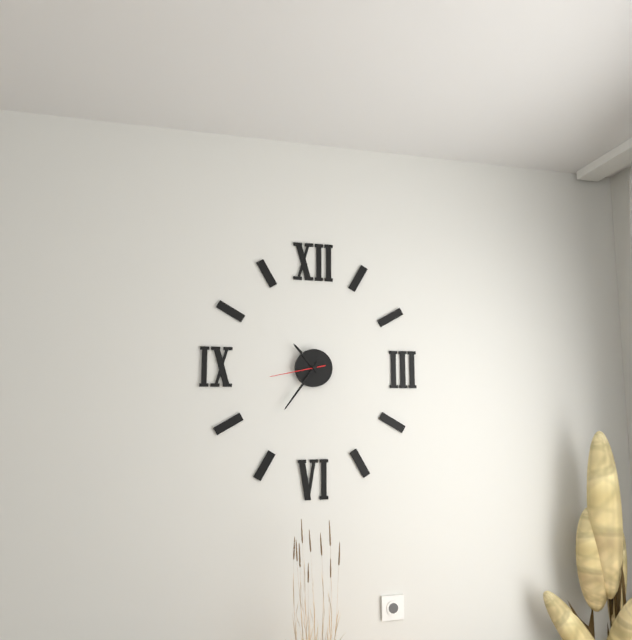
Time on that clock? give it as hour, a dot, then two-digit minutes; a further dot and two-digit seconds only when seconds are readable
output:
10.36.43
